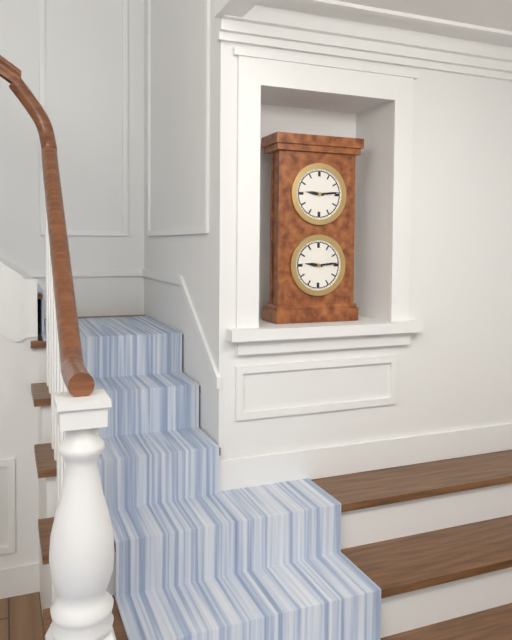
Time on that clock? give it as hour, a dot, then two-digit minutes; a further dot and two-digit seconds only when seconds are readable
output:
9.14
